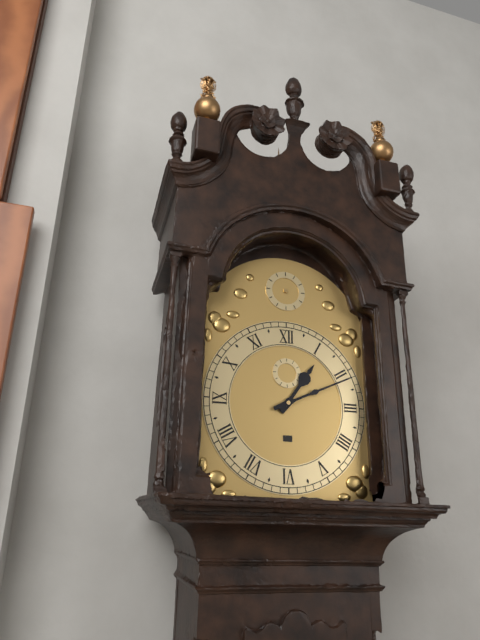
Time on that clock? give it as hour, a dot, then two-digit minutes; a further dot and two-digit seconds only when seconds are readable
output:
1.11
